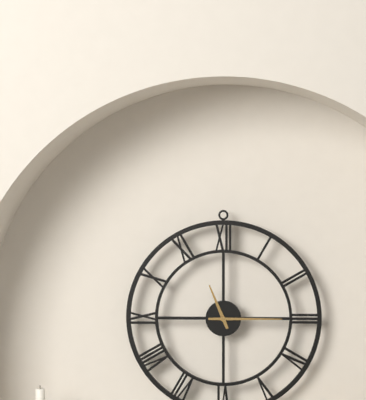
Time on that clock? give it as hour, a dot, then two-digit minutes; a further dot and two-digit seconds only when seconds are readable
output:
11.15
